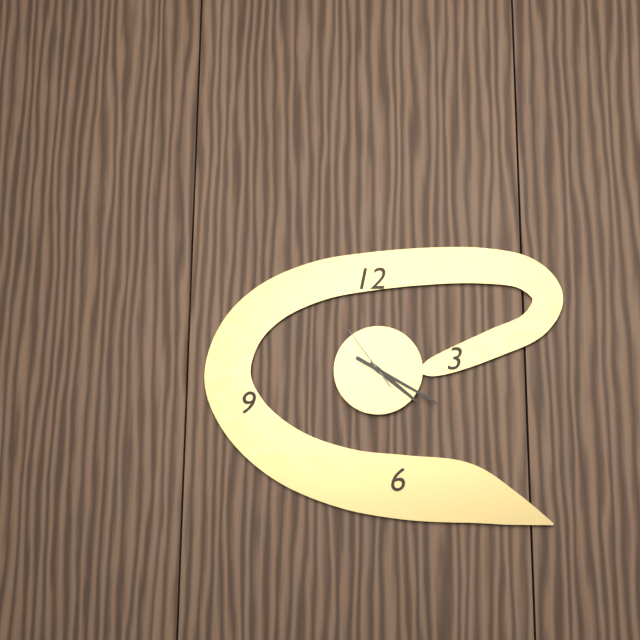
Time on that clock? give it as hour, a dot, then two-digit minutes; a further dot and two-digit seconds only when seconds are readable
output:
4.20.54
